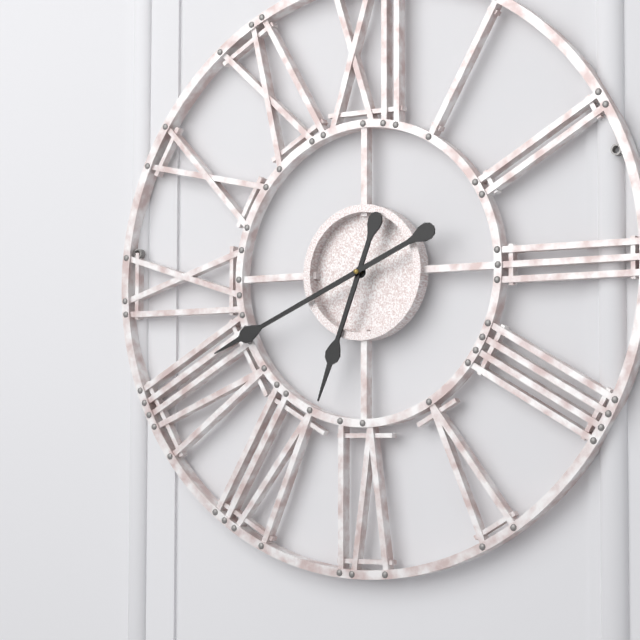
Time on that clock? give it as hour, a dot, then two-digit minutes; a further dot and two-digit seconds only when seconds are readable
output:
6.41
